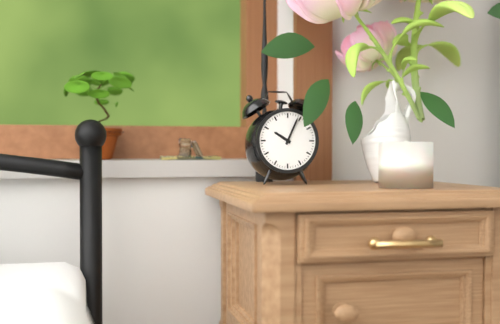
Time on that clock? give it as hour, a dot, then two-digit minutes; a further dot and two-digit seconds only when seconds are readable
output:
10.04
